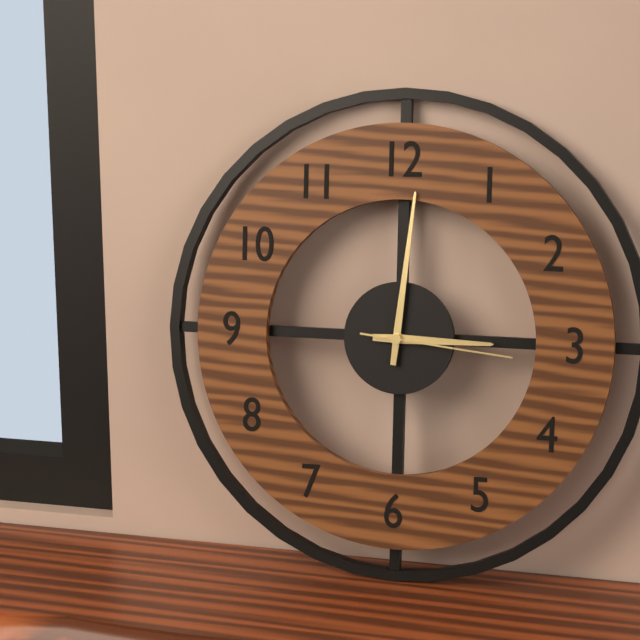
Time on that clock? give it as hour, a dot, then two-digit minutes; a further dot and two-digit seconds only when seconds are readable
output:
3.01.16
